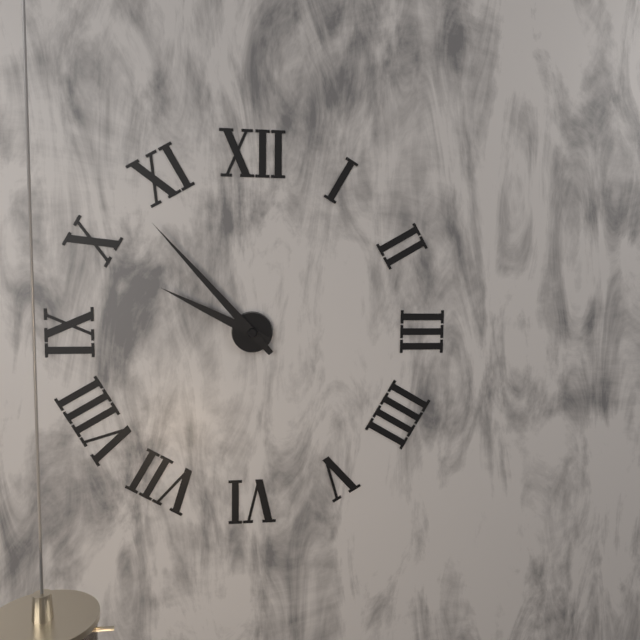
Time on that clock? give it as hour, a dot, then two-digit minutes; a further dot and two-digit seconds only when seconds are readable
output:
9.53
